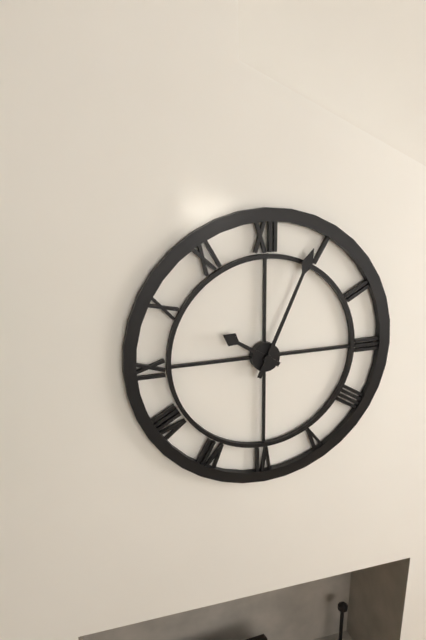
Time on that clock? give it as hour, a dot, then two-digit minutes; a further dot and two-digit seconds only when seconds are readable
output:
10.04
